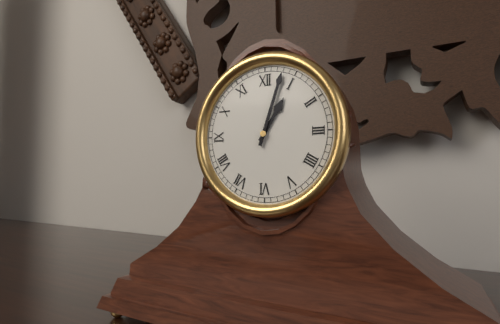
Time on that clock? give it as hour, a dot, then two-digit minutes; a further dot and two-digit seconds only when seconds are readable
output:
1.03
